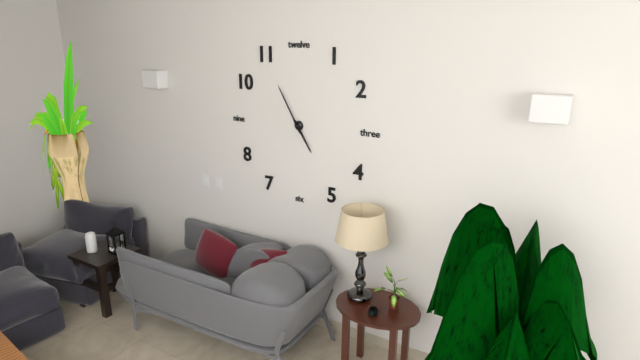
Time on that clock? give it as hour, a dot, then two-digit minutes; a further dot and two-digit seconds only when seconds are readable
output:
4.55
